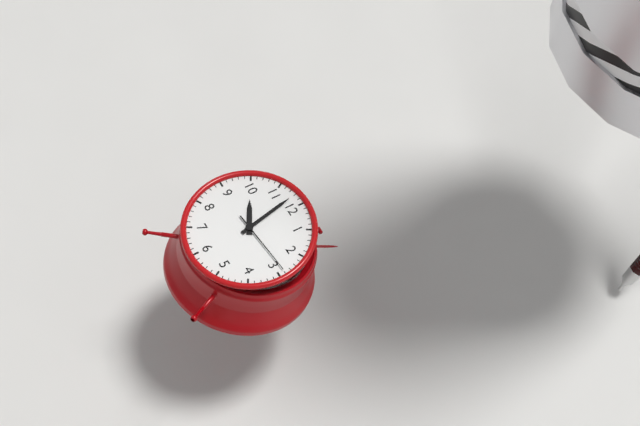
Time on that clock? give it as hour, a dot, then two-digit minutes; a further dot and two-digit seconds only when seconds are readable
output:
9.58.14
